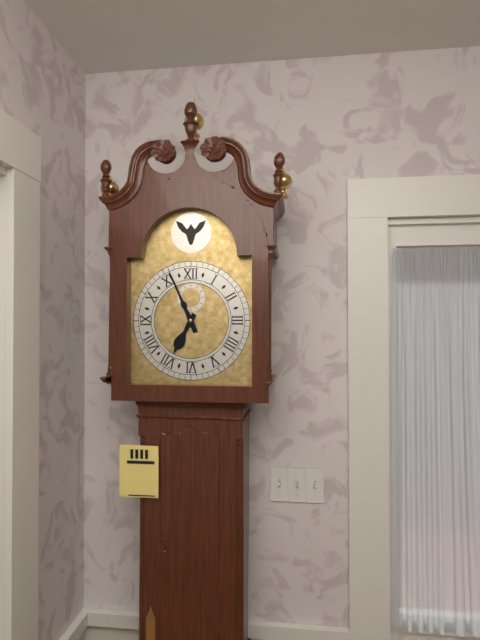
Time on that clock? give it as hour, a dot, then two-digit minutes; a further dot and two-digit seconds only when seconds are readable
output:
6.56
